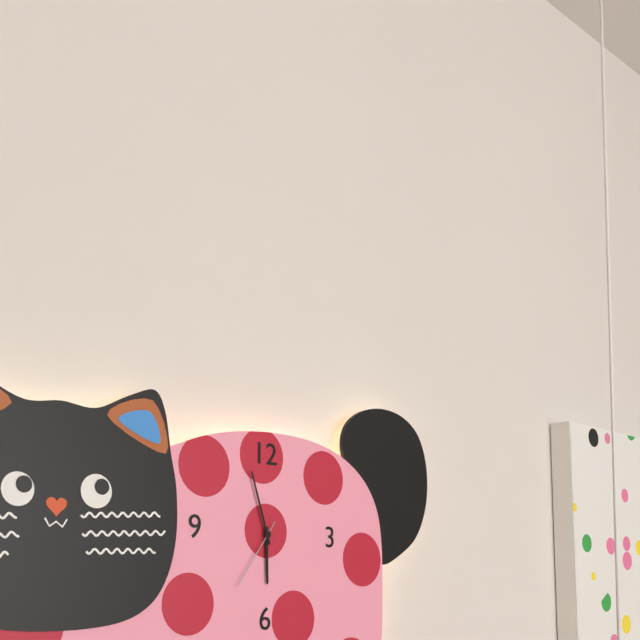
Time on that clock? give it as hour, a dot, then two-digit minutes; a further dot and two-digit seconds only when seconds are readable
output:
5.57.36
